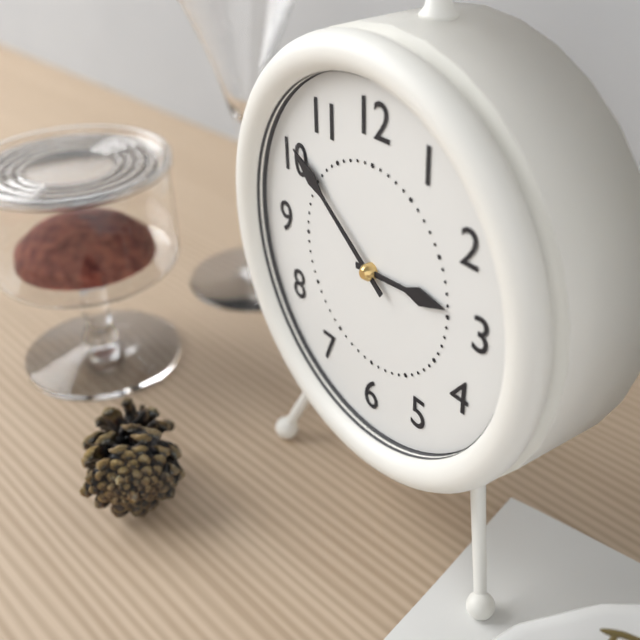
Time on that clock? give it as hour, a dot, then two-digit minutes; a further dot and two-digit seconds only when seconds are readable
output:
2.51
